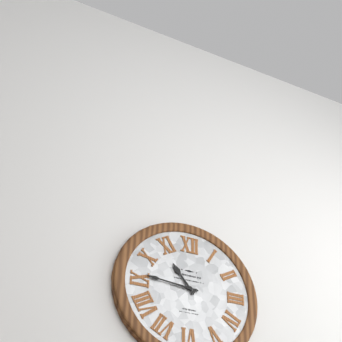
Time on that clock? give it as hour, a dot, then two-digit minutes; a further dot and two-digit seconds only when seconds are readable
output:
10.46
